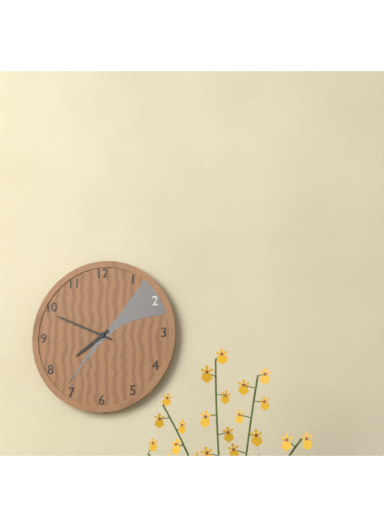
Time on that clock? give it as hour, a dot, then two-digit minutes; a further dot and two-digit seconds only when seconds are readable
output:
7.49
